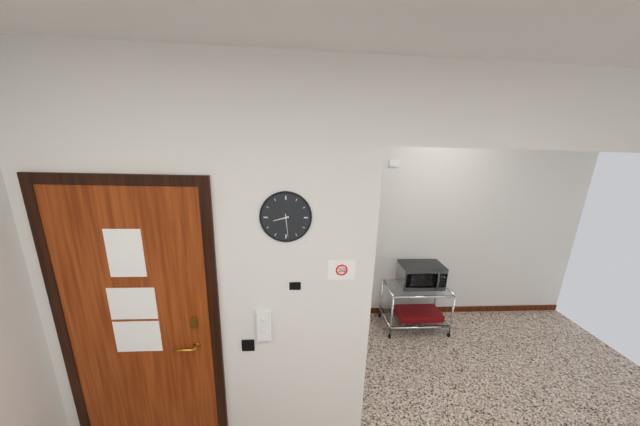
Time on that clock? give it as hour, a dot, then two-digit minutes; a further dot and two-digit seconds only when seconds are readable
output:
8.29
